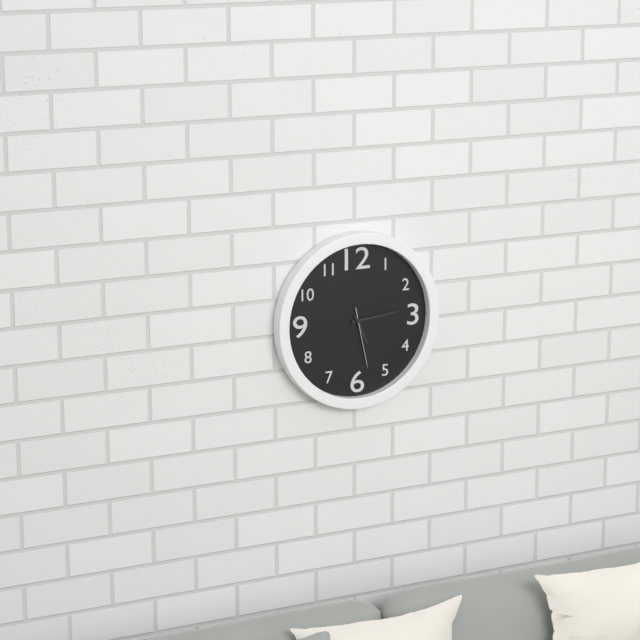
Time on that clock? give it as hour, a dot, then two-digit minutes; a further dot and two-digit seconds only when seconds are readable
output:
5.14.28
